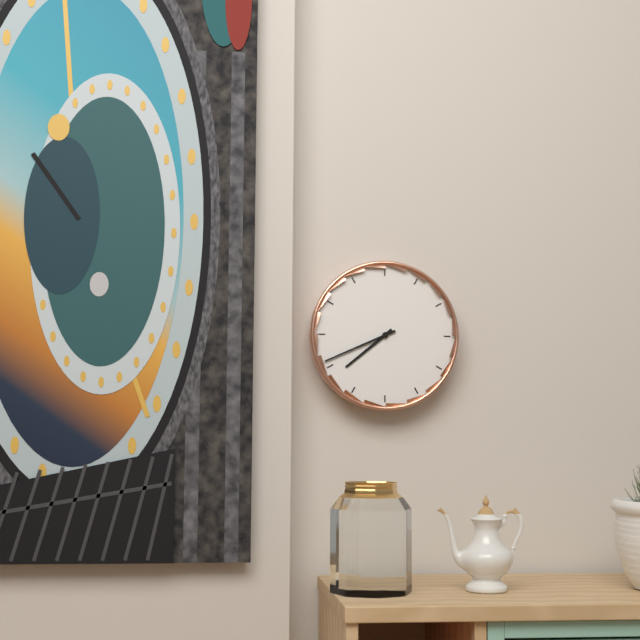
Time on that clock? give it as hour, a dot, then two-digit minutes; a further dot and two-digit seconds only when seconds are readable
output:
7.41
